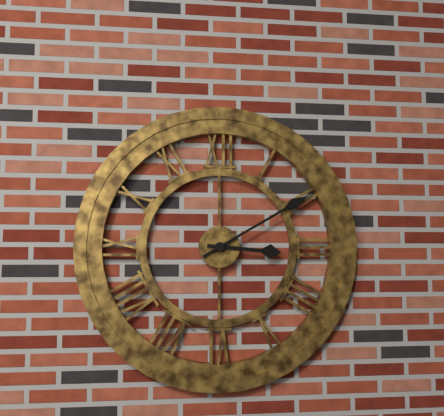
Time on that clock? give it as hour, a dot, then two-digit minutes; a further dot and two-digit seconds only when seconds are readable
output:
3.10
